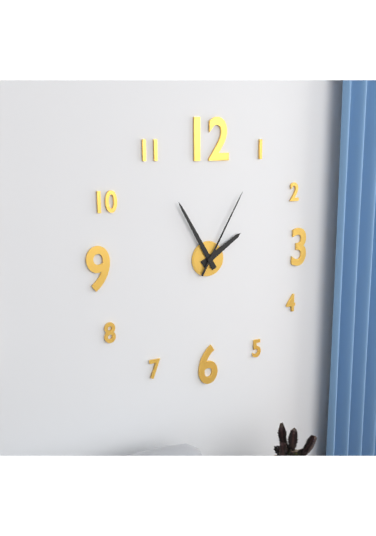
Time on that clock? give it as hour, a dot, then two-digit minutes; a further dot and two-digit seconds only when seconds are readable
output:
1.55.05
